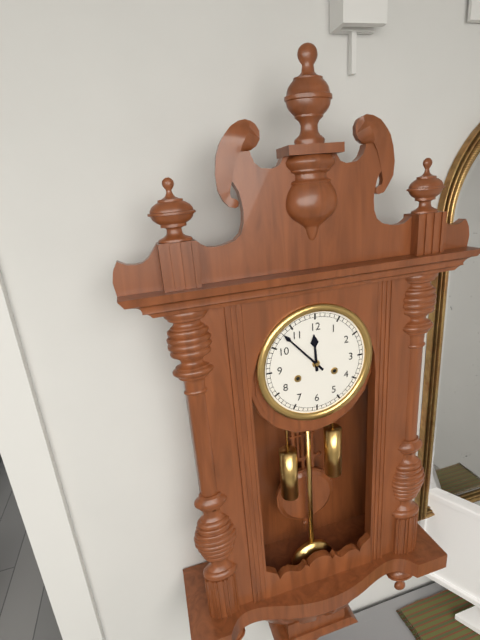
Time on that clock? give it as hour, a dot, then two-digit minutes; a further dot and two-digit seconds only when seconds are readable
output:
11.53
